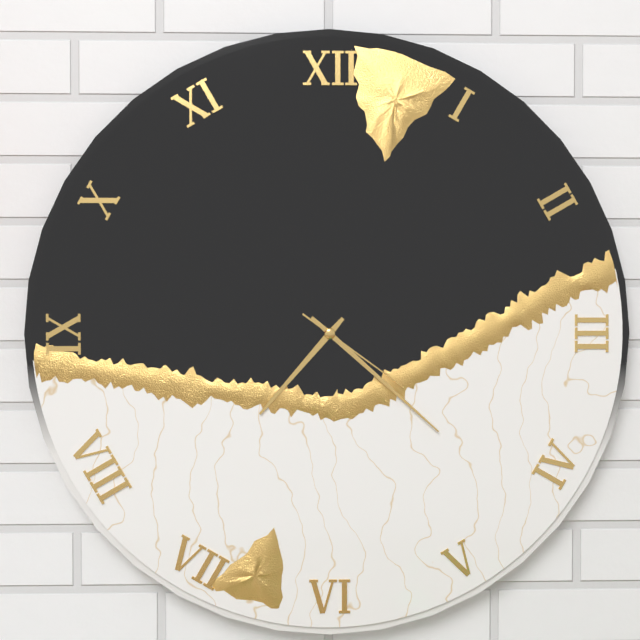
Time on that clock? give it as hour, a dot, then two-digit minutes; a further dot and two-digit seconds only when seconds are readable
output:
7.22.21
